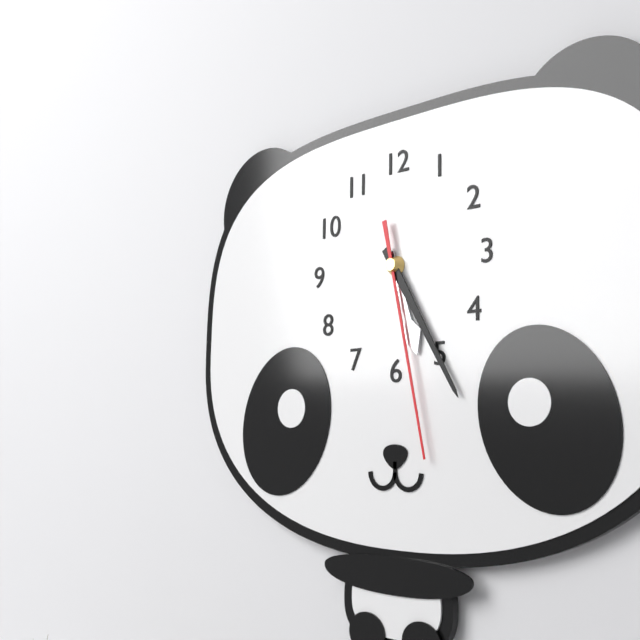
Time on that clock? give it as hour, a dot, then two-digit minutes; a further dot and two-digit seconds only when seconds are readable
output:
5.25.28
